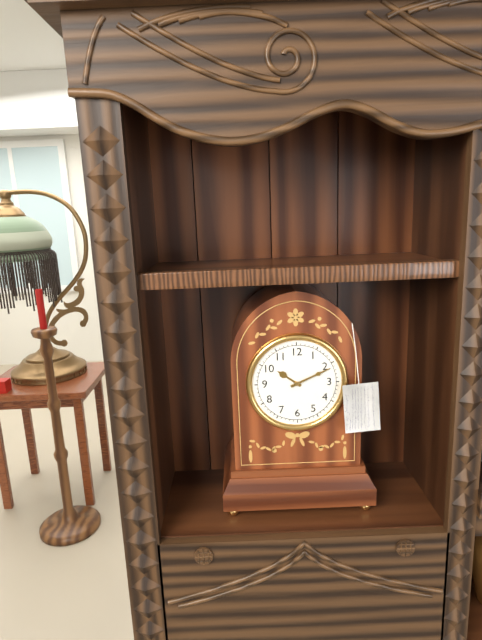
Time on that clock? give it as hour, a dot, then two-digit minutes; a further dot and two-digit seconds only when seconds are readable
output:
10.11
